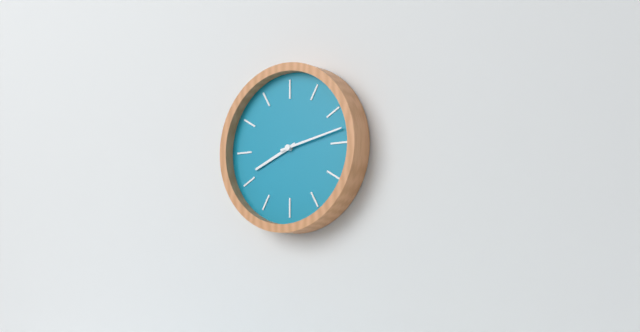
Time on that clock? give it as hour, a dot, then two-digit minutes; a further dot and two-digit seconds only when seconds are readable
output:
8.13
